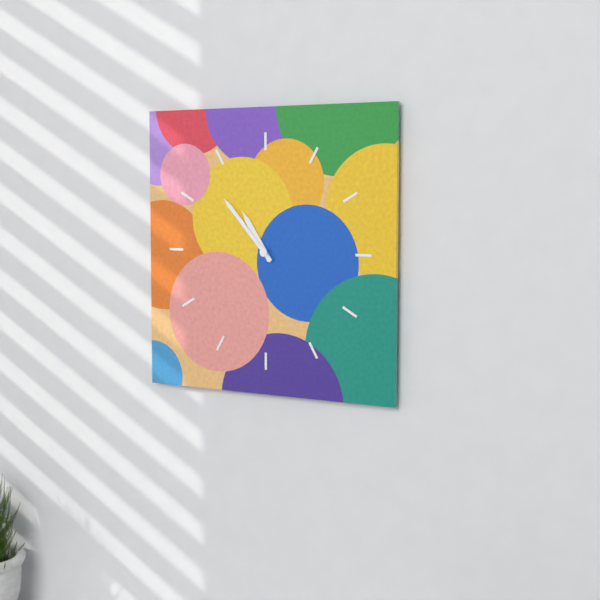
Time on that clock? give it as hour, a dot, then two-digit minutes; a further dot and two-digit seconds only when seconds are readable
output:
10.53
